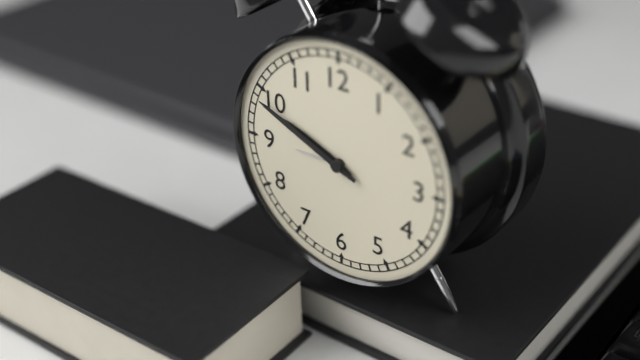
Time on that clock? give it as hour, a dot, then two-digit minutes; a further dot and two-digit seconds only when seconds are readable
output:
9.49
